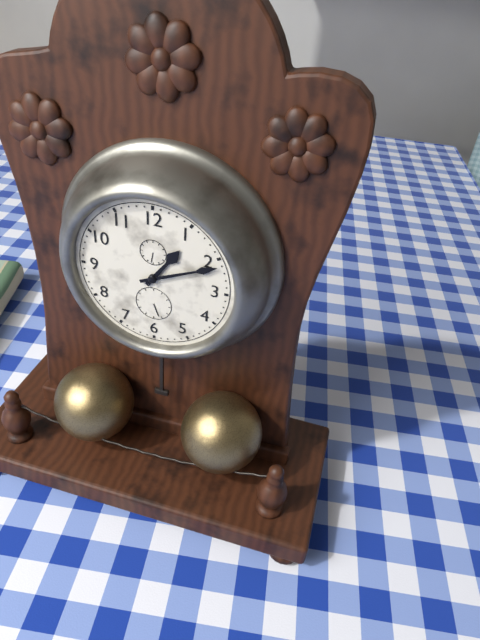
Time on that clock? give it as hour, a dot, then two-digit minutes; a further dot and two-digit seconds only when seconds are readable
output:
1.11
